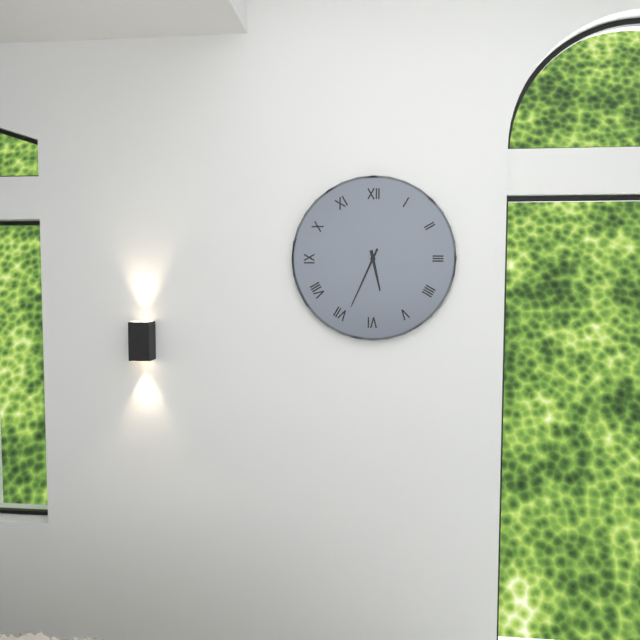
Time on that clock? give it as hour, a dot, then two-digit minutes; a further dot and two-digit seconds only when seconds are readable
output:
5.34
